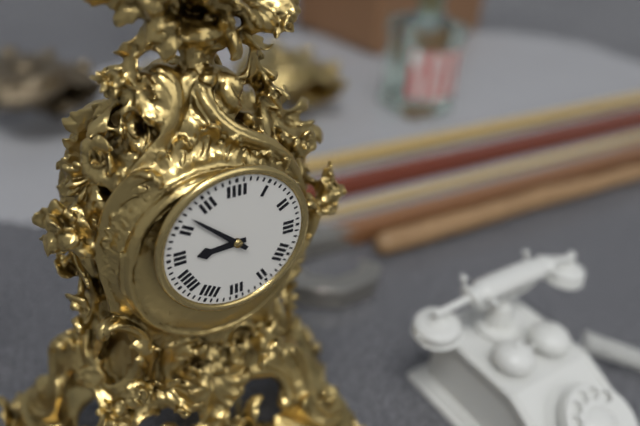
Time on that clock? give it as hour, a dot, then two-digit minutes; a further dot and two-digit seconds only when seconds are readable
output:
8.52
